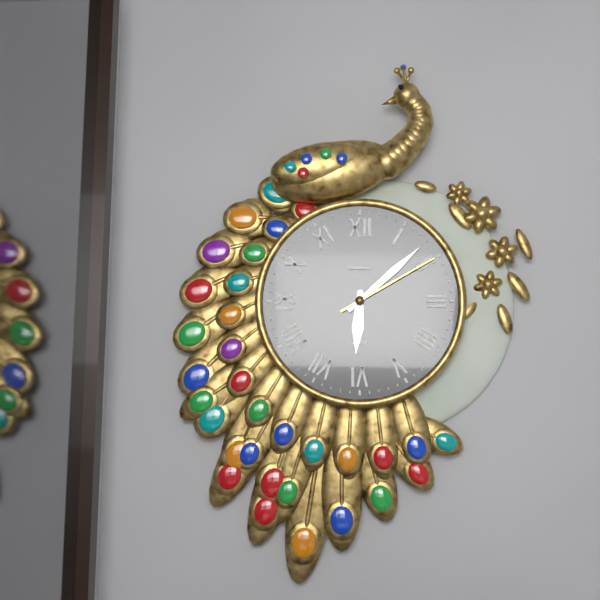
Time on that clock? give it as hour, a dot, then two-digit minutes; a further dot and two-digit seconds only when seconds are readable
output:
6.08.10
